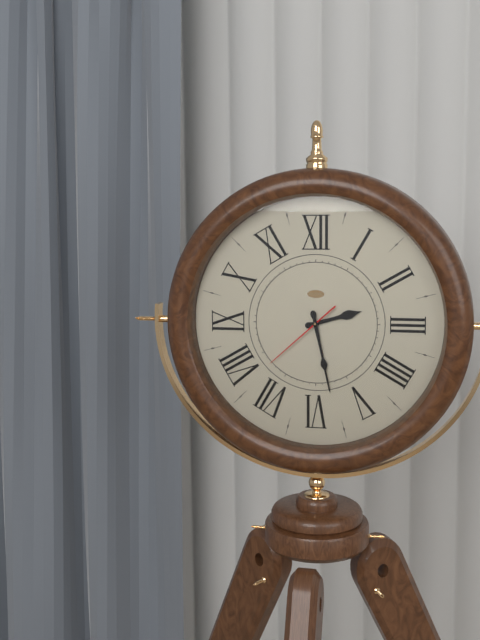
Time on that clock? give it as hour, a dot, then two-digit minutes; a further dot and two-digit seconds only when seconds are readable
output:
2.28.38
